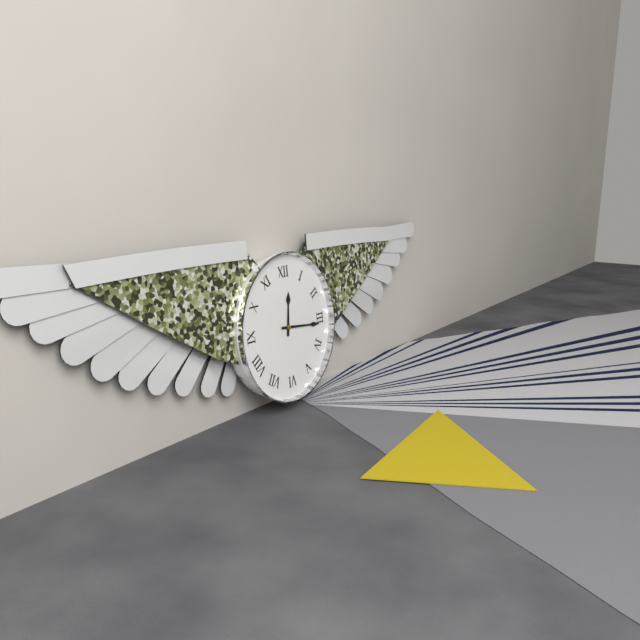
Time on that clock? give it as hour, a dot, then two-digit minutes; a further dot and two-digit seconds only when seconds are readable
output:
12.16
